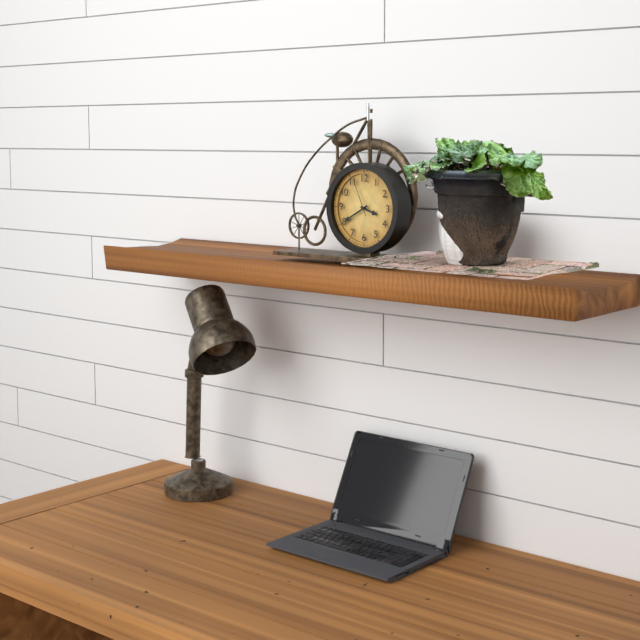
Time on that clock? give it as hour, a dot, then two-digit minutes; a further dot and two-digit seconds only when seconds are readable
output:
3.40
